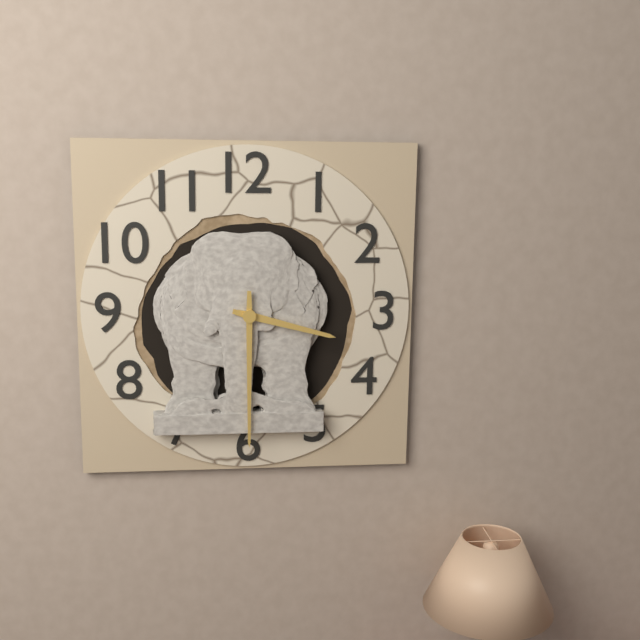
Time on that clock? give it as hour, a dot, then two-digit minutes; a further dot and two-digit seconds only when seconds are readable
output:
3.30
